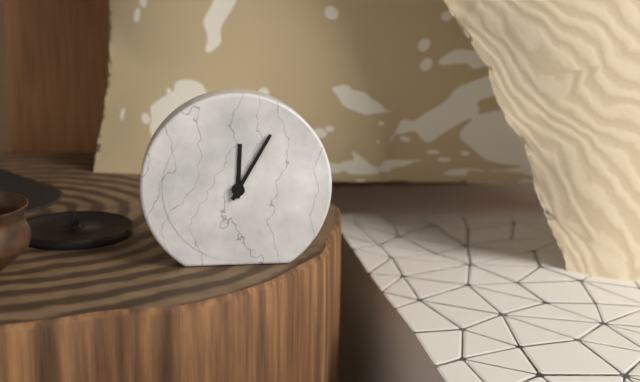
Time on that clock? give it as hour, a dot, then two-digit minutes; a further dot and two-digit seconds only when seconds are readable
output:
12.05
